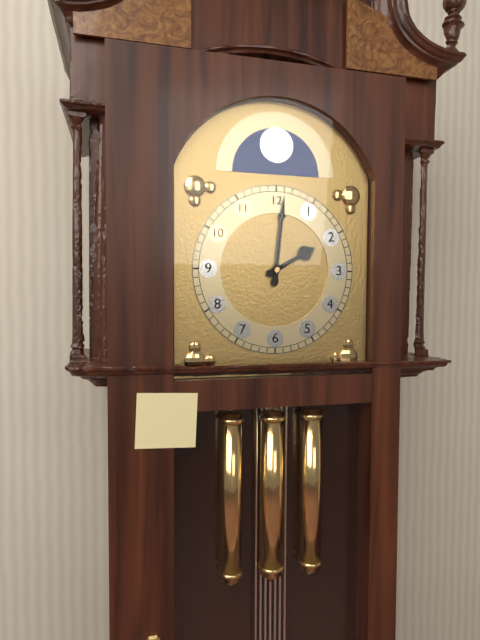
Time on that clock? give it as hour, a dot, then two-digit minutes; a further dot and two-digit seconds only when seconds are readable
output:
2.01
